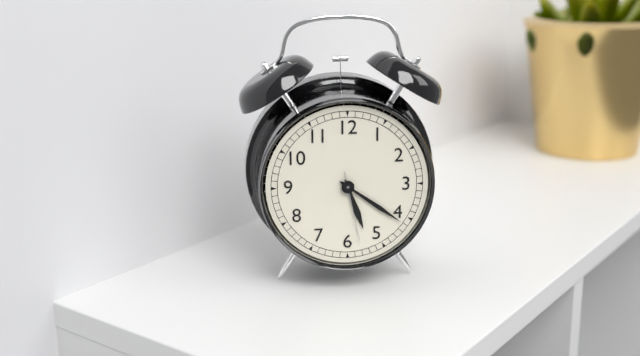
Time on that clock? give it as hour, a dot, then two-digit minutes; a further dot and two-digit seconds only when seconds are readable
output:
5.21.28
